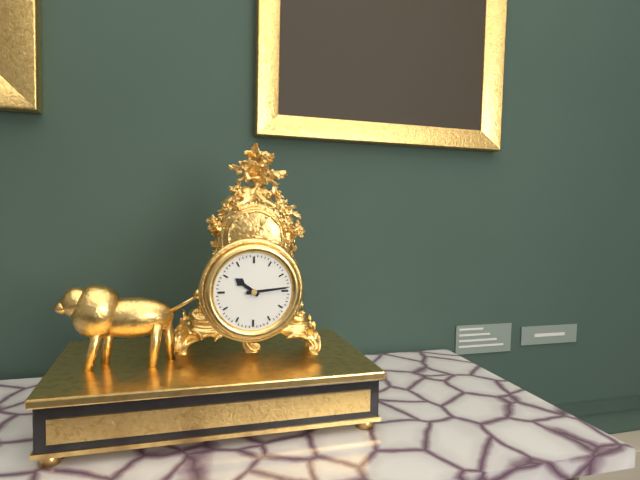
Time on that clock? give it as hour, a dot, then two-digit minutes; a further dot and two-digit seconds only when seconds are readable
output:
10.14
